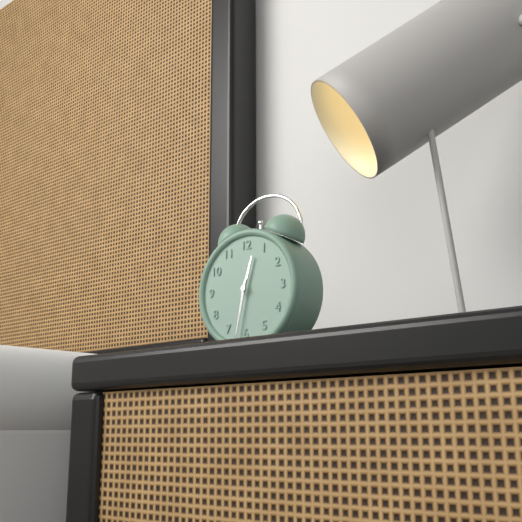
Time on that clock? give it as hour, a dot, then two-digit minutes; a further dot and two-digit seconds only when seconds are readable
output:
12.32
